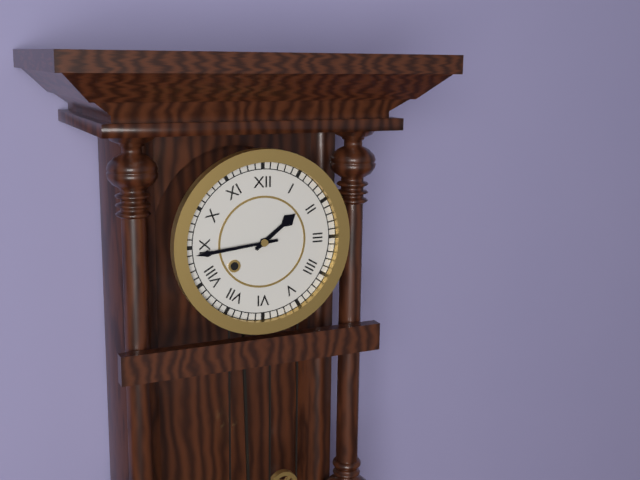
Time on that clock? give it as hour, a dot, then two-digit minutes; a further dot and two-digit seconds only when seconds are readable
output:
1.44
